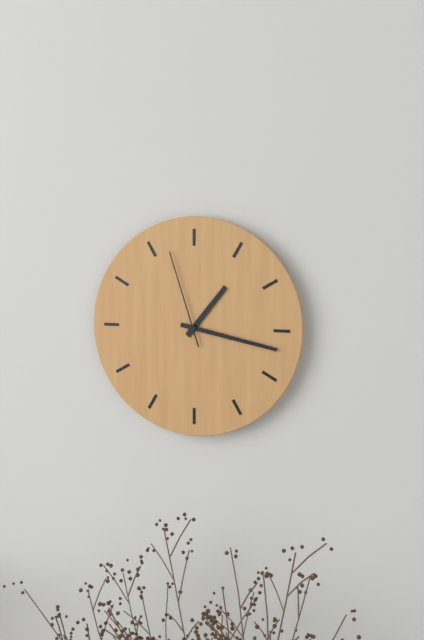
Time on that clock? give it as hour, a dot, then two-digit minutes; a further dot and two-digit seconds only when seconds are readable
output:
1.17.57
